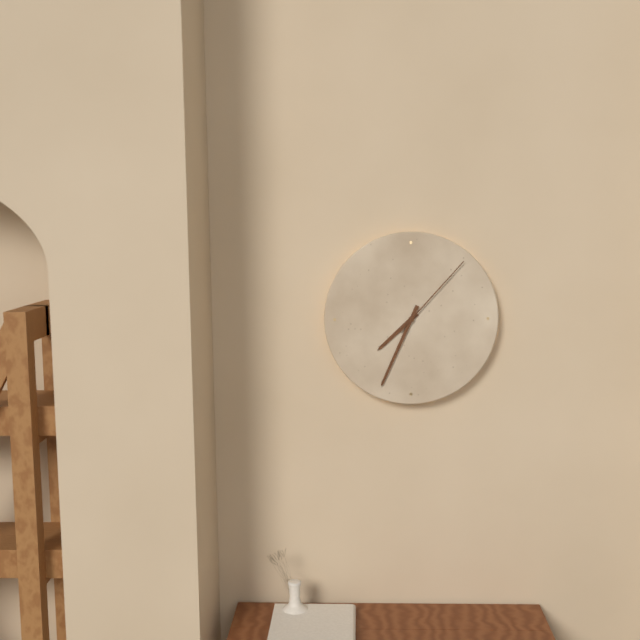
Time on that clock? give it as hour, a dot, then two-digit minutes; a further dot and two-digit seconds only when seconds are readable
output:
7.34.07
